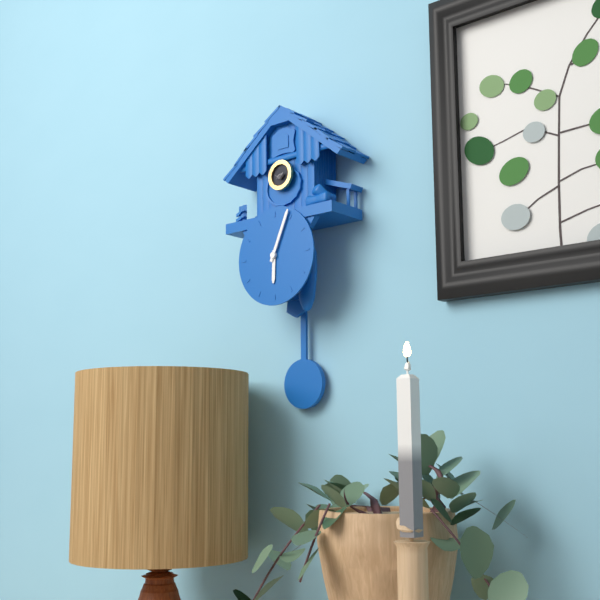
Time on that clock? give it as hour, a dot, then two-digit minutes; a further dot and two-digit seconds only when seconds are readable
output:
6.04
